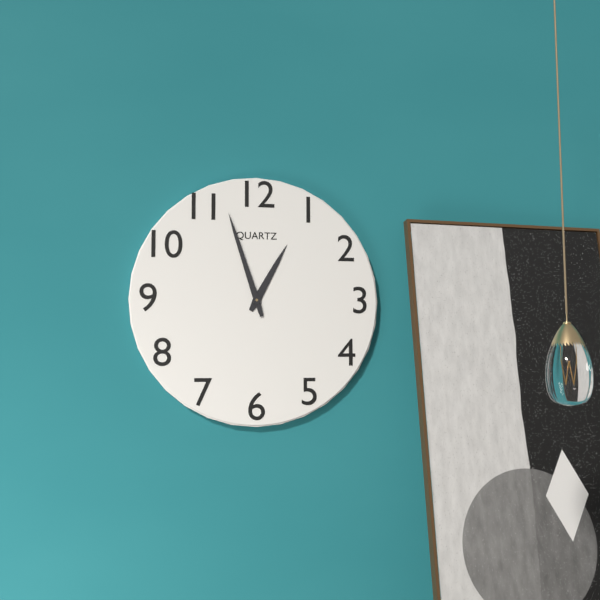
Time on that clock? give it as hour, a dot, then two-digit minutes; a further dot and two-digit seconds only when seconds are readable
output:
12.57
